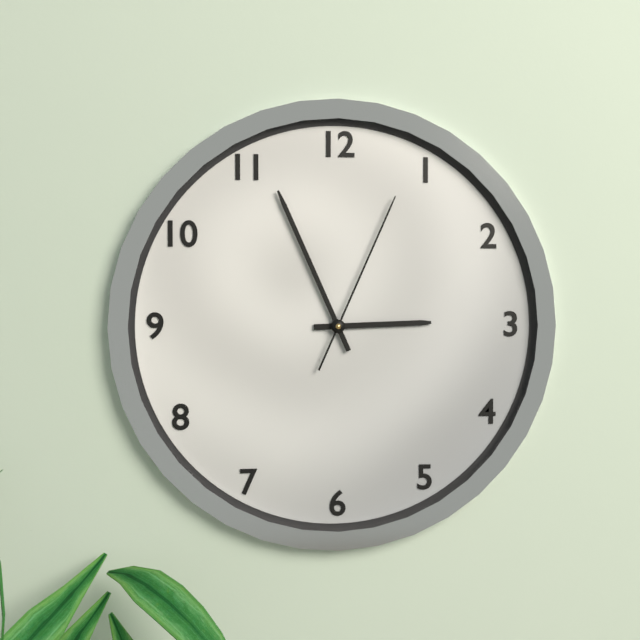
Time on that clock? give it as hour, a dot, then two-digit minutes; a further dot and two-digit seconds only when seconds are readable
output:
2.56.04
